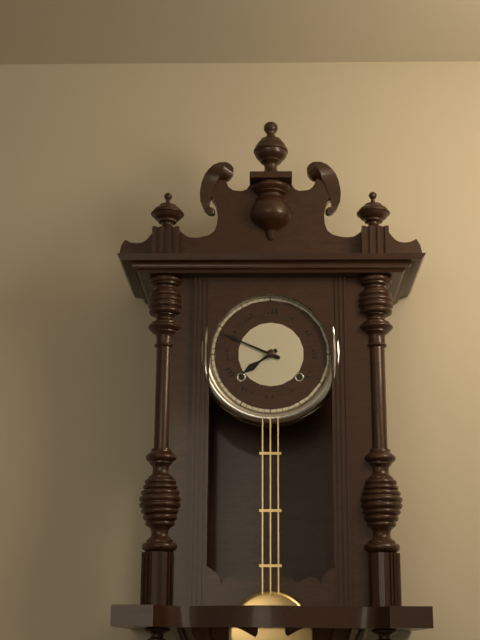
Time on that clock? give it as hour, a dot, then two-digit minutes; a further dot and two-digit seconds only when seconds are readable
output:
7.49
